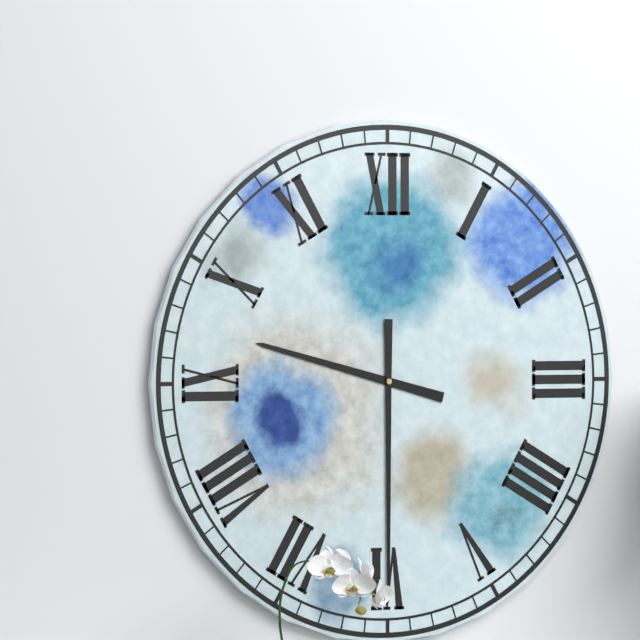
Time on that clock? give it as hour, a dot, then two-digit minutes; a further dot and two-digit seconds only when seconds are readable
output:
9.30
